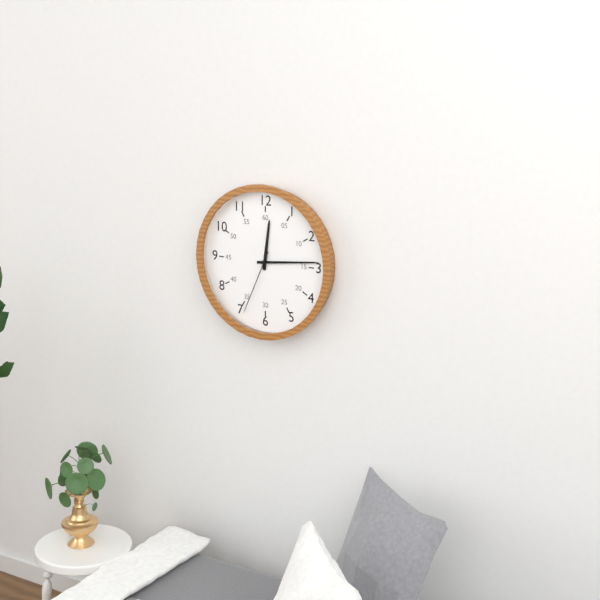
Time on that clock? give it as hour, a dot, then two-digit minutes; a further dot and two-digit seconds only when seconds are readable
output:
12.14.34
